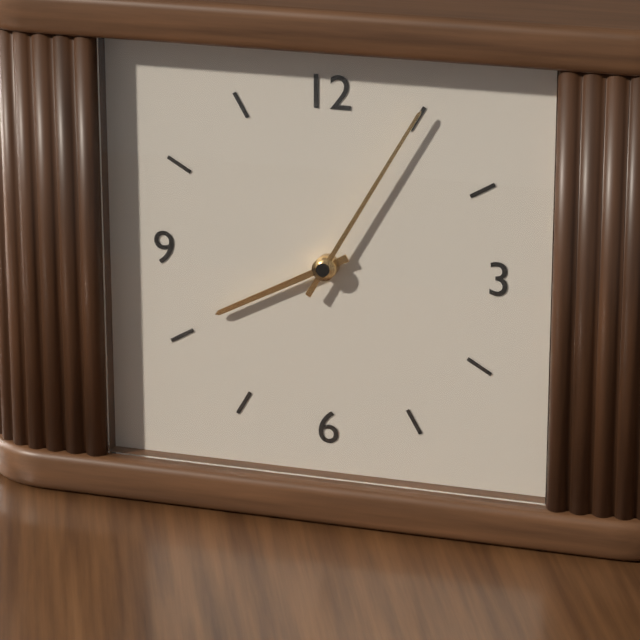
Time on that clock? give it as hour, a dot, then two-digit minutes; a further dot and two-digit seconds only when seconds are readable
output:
8.05
